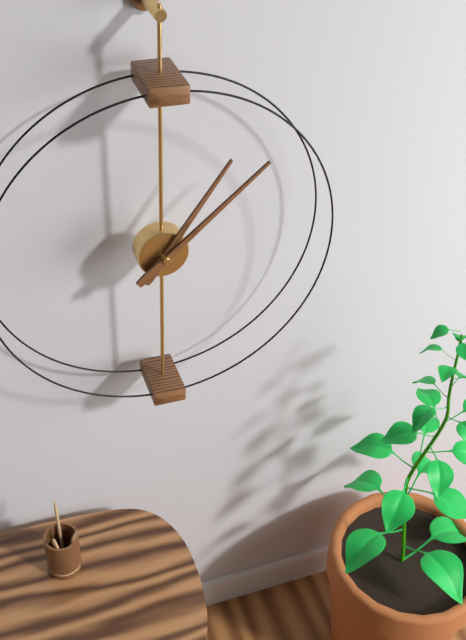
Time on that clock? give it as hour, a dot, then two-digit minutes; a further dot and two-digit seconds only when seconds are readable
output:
1.08
